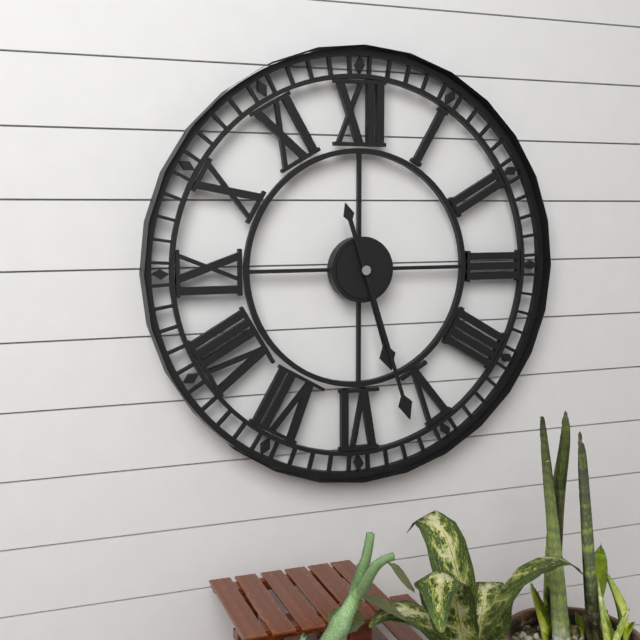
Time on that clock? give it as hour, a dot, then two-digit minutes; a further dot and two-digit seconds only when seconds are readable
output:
5.27
